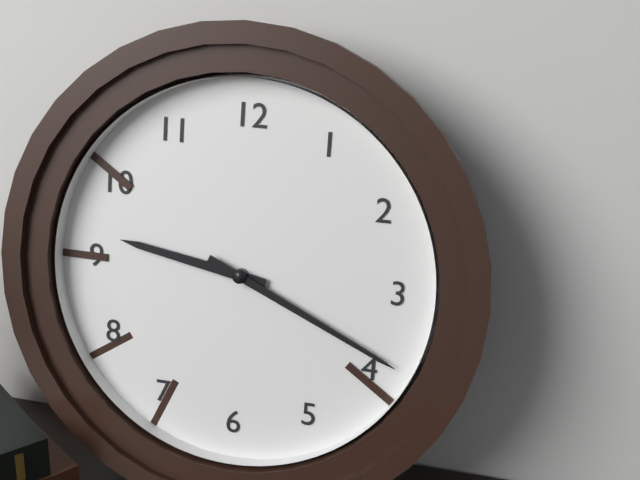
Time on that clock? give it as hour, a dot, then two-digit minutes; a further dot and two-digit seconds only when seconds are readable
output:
9.19
